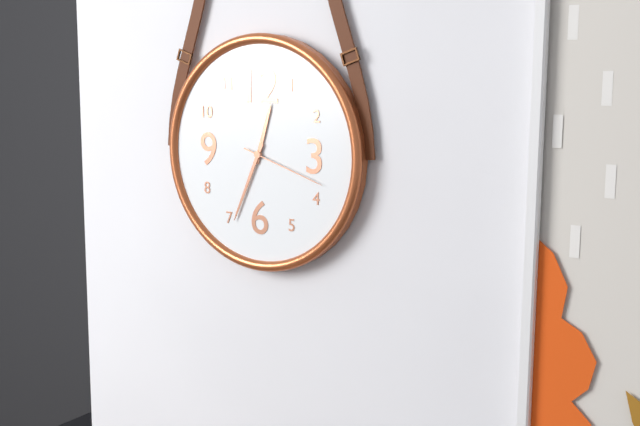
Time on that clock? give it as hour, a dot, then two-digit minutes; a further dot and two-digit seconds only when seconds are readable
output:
12.34.18
